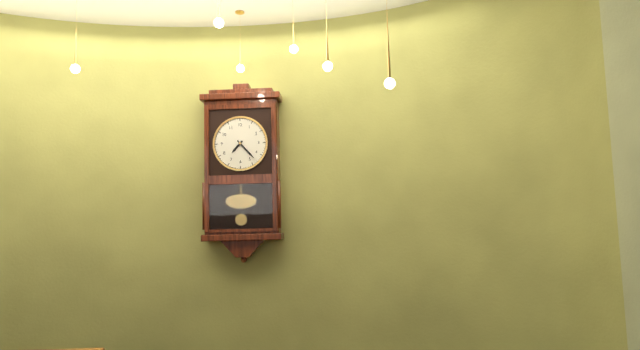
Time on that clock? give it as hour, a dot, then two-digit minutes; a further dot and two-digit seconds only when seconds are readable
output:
7.23
